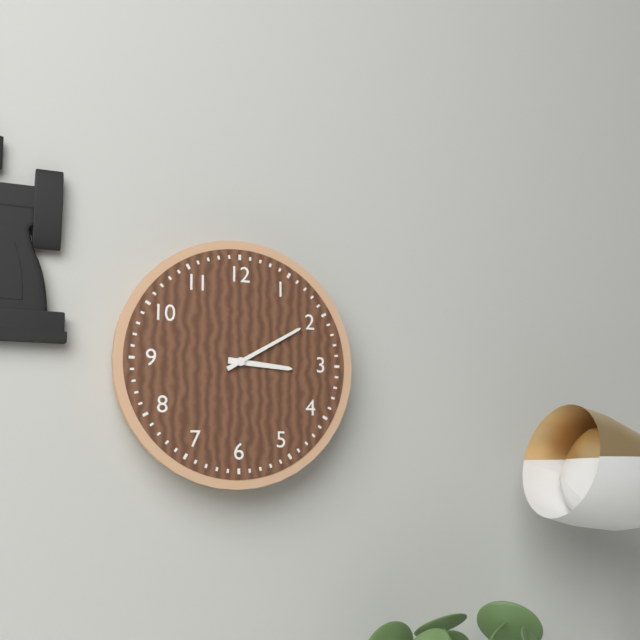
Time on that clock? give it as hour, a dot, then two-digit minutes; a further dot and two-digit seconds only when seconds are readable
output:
3.10
